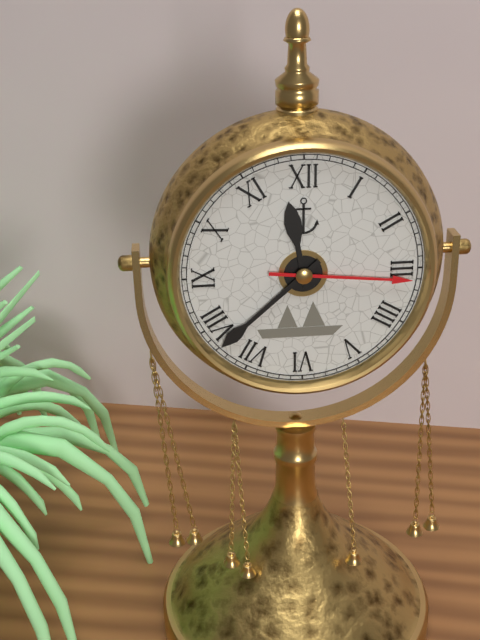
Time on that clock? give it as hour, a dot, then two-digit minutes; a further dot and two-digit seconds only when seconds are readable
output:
11.38.16
